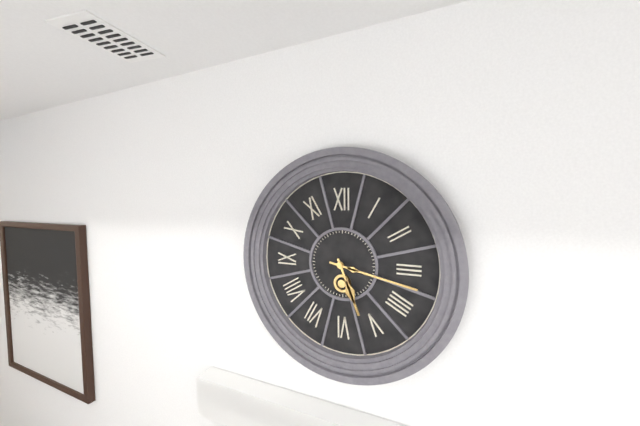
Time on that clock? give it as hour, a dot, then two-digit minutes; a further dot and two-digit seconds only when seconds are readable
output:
5.17
